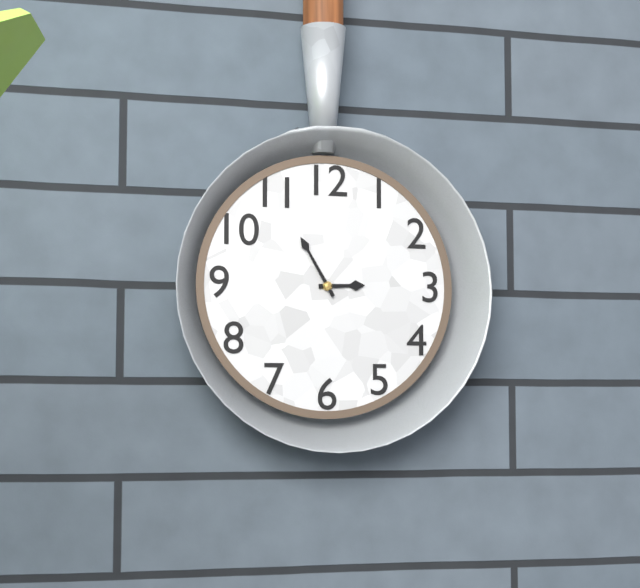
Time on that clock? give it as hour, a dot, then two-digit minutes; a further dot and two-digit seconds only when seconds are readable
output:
2.55
